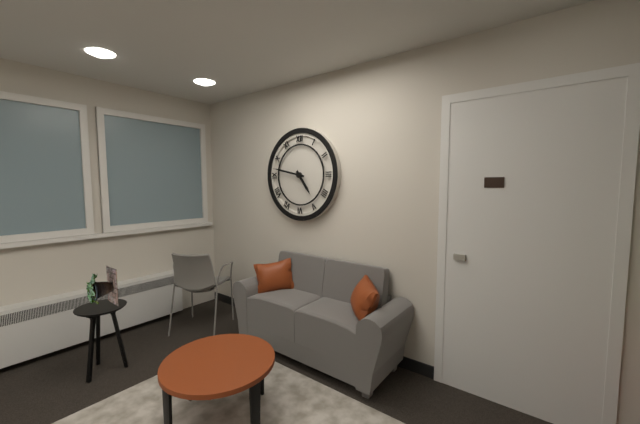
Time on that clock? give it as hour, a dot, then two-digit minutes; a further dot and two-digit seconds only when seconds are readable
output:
4.47
